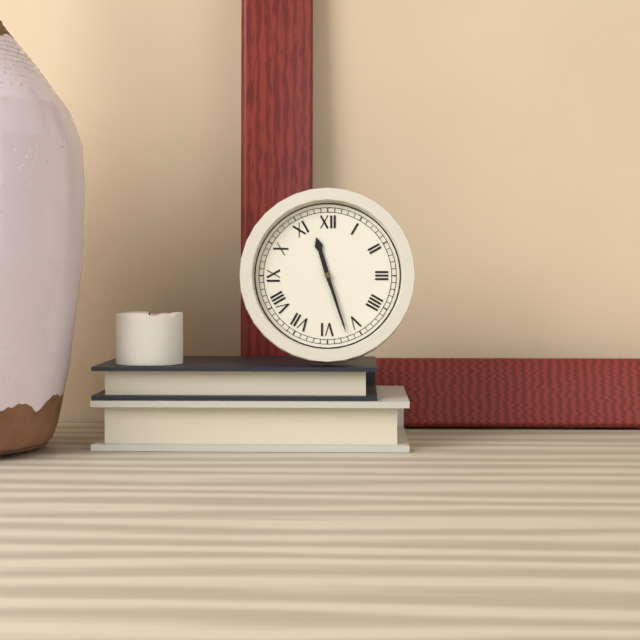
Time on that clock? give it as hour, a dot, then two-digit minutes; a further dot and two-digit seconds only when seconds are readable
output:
11.27
